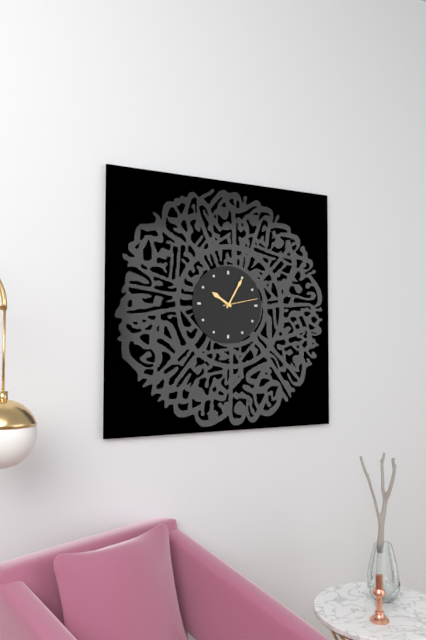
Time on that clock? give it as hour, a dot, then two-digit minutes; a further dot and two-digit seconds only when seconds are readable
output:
10.05
